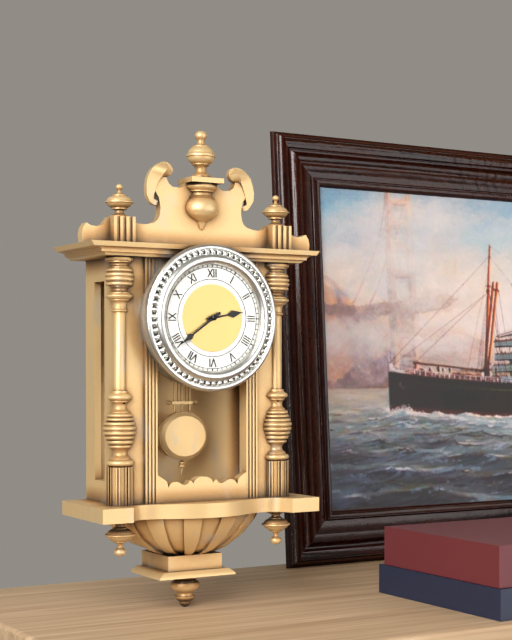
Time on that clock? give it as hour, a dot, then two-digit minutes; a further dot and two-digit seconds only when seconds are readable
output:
2.39
